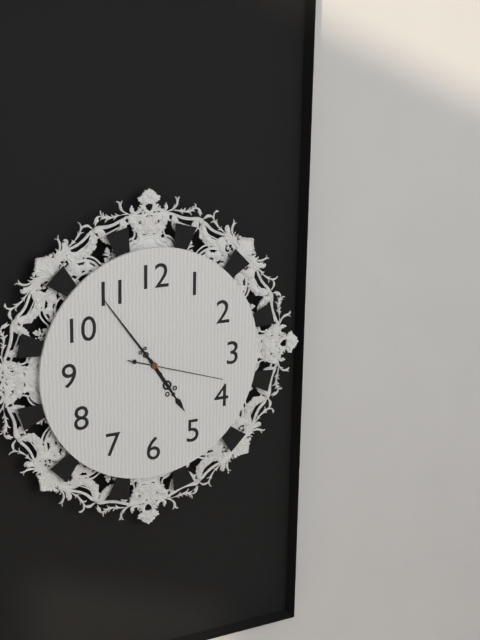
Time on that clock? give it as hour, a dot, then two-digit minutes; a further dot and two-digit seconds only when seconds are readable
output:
4.54.18
